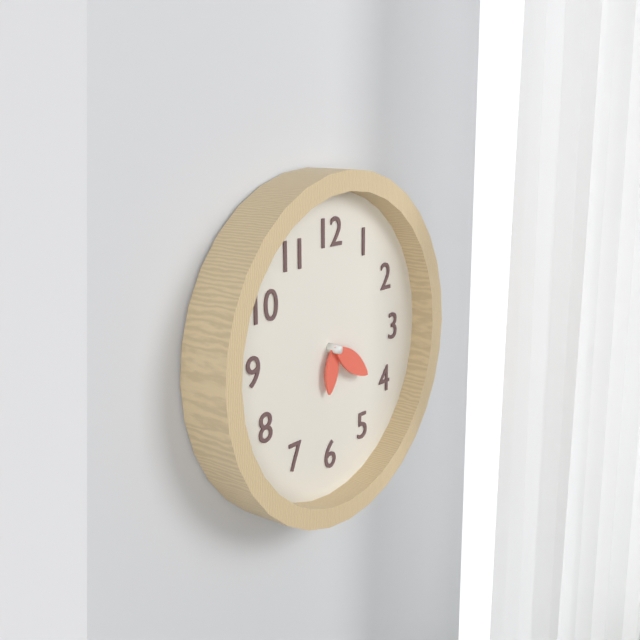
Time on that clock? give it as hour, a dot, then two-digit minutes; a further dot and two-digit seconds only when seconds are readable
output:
6.21
